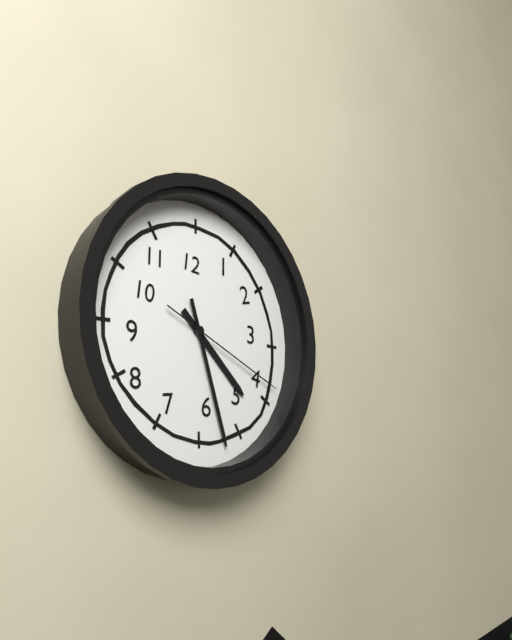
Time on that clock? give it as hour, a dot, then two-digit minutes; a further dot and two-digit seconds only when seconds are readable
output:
4.27.19
